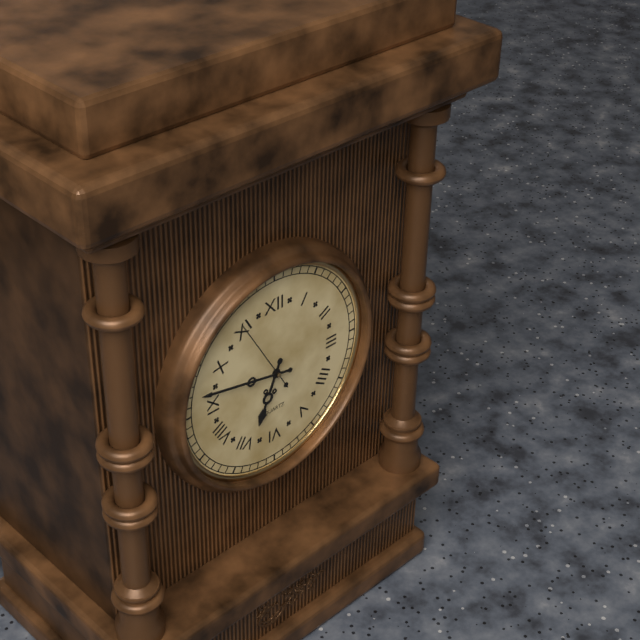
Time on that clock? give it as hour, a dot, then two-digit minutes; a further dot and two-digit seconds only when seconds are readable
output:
6.47.55
